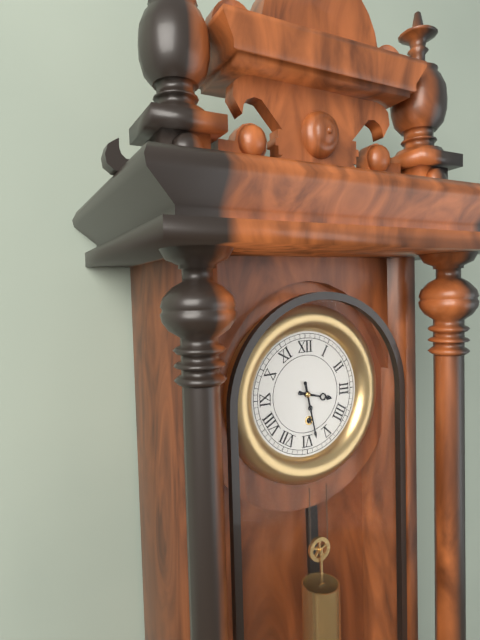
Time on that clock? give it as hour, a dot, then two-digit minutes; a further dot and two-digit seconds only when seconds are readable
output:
3.28
